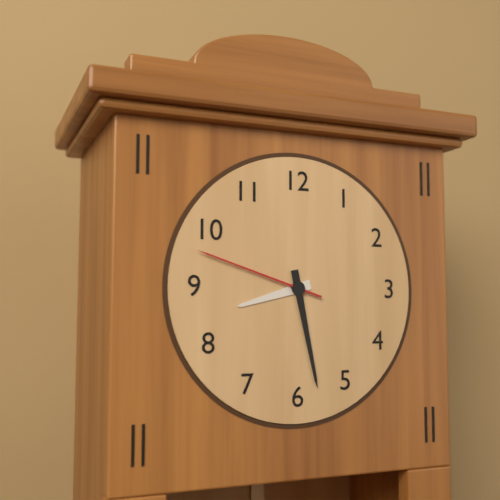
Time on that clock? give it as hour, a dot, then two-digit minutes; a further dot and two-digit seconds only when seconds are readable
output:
8.28.48
